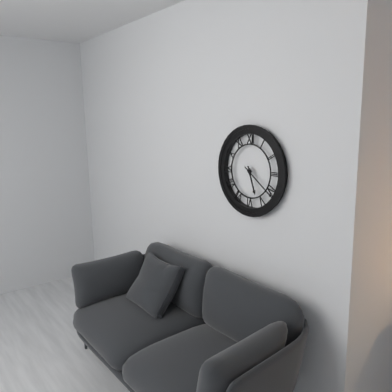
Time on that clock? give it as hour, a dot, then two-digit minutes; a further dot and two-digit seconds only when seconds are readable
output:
5.21
